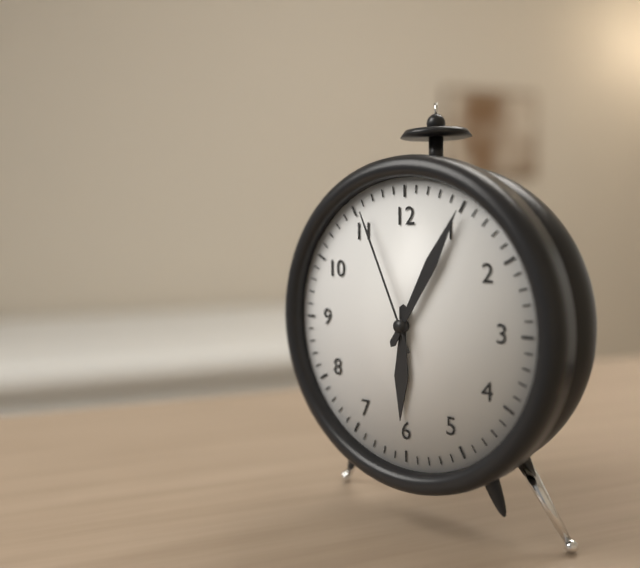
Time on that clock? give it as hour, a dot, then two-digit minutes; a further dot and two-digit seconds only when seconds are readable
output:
6.05.56
